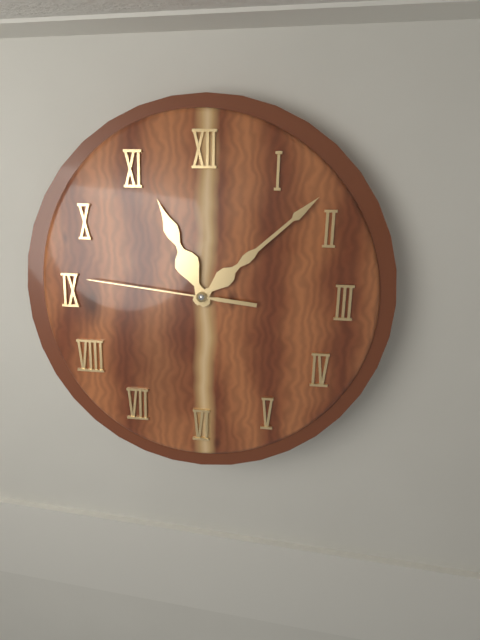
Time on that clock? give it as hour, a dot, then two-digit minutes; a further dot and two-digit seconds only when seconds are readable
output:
11.08.46
